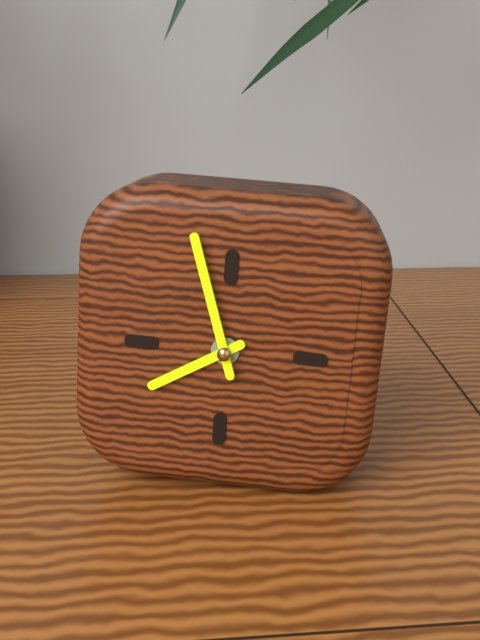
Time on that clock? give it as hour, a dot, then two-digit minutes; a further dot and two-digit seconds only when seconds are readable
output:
7.57
